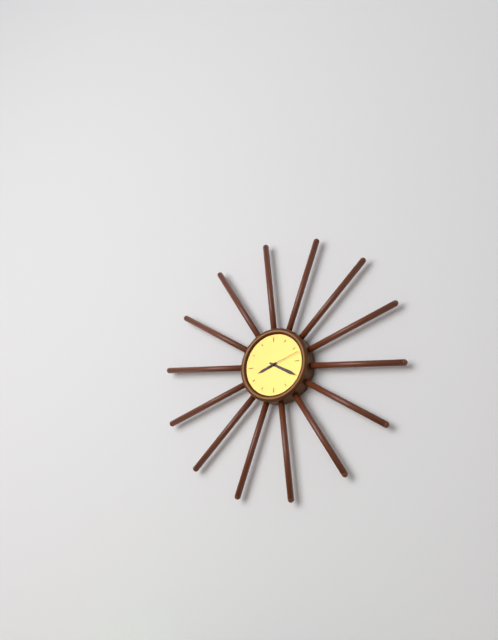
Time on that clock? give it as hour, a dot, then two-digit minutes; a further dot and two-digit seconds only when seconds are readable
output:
8.20
